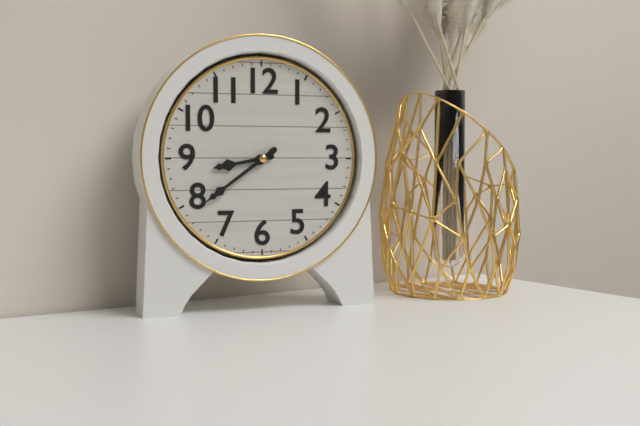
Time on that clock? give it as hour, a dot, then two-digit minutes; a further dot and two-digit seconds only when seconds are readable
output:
8.39
